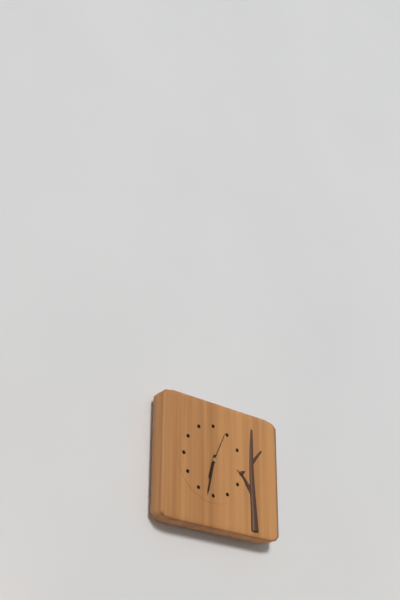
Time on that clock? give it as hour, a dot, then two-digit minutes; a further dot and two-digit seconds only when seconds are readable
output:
6.32
